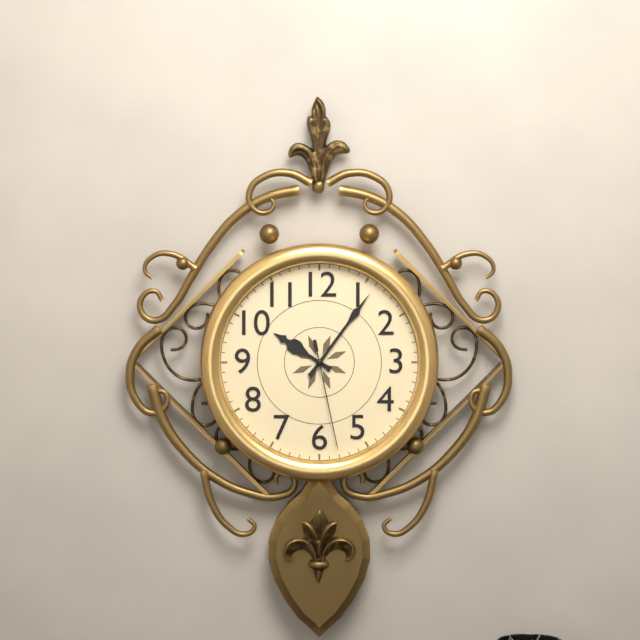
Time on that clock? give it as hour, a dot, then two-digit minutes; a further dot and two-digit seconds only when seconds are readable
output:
10.06.28
